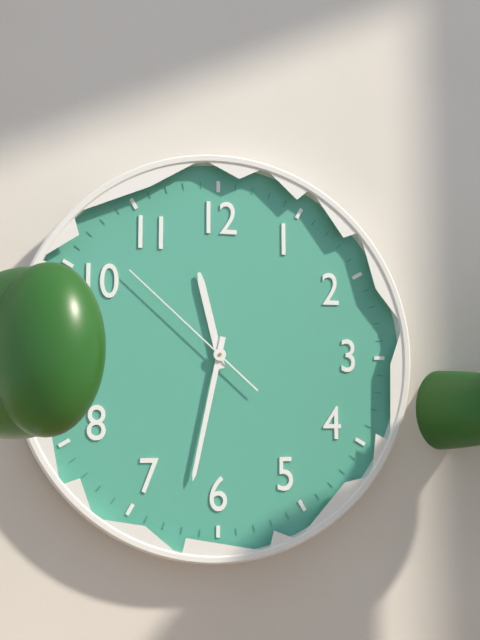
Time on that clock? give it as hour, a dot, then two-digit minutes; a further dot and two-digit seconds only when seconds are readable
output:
11.32.52
